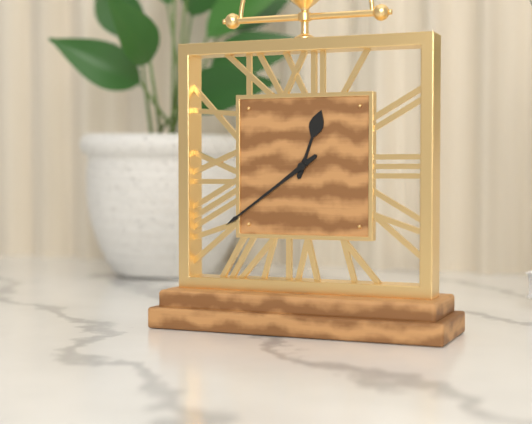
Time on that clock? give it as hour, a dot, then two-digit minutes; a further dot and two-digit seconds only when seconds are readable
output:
12.39
